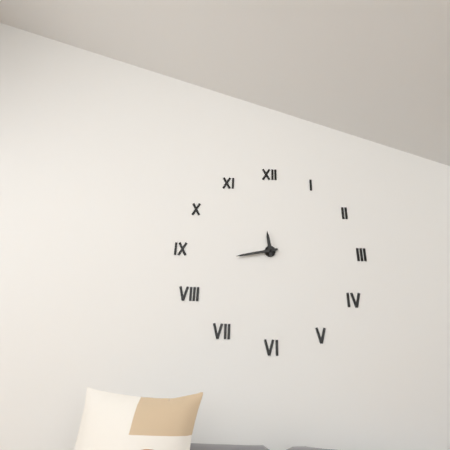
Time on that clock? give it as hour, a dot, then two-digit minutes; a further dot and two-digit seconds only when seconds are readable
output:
11.43
